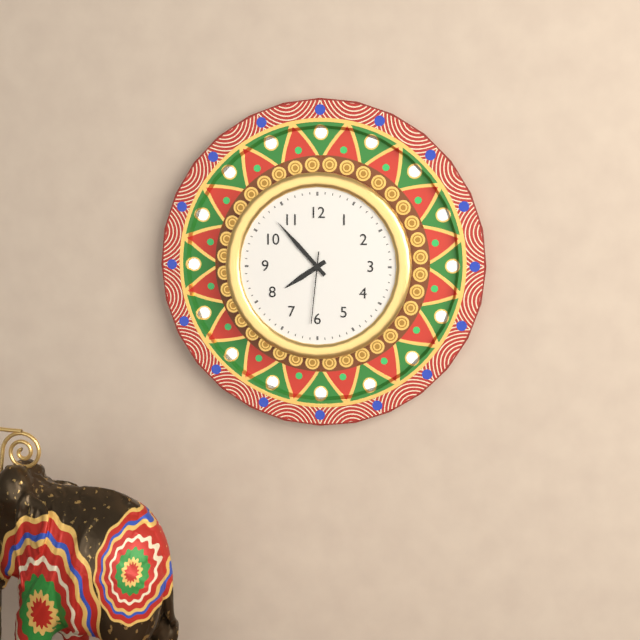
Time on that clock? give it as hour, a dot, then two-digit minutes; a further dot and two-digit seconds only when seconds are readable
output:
7.53.31
